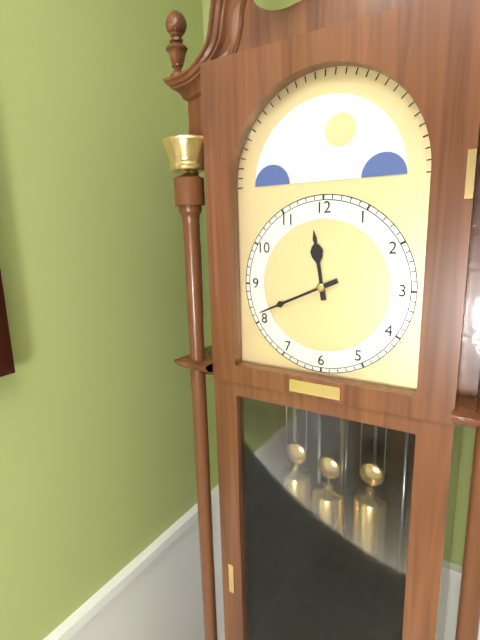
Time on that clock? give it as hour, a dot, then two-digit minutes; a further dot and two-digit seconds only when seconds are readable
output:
11.41
